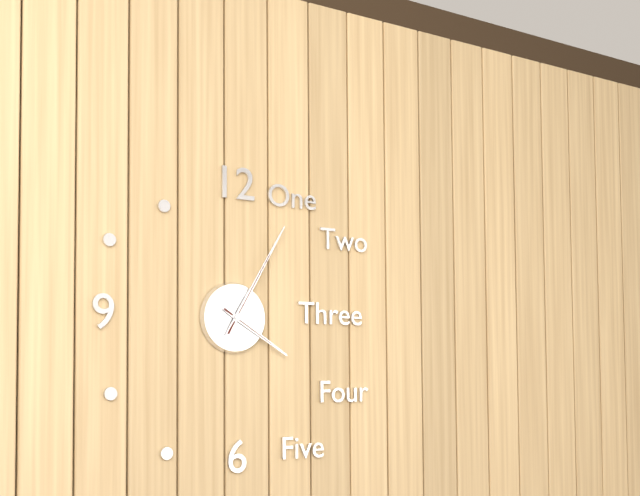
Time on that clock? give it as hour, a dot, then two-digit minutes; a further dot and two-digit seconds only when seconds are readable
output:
4.05
